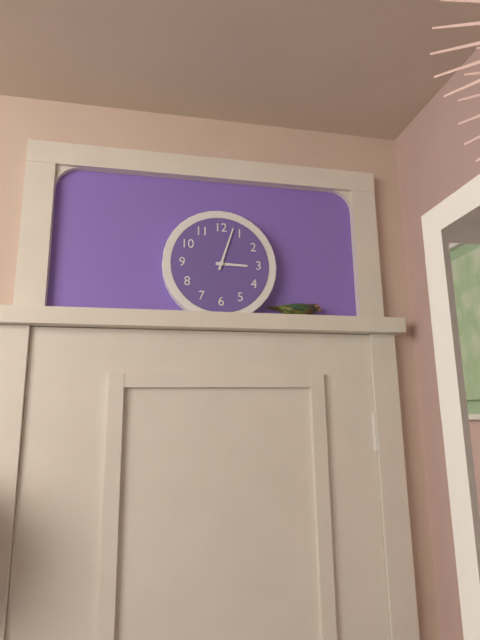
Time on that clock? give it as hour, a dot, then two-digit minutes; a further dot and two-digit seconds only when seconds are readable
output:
3.03
